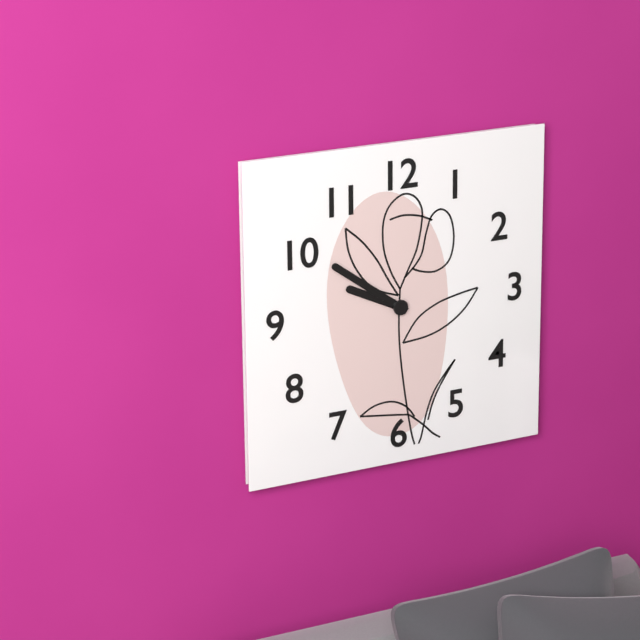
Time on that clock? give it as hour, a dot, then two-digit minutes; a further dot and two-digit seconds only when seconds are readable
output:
9.51
